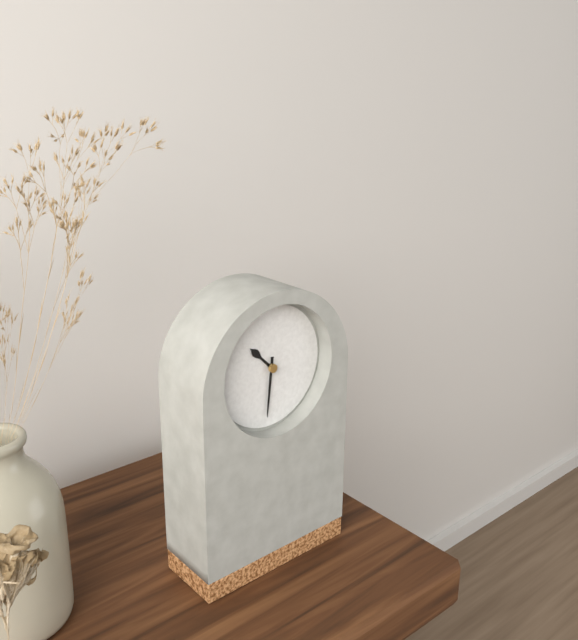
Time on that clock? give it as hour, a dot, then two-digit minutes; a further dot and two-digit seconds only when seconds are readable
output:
10.31
